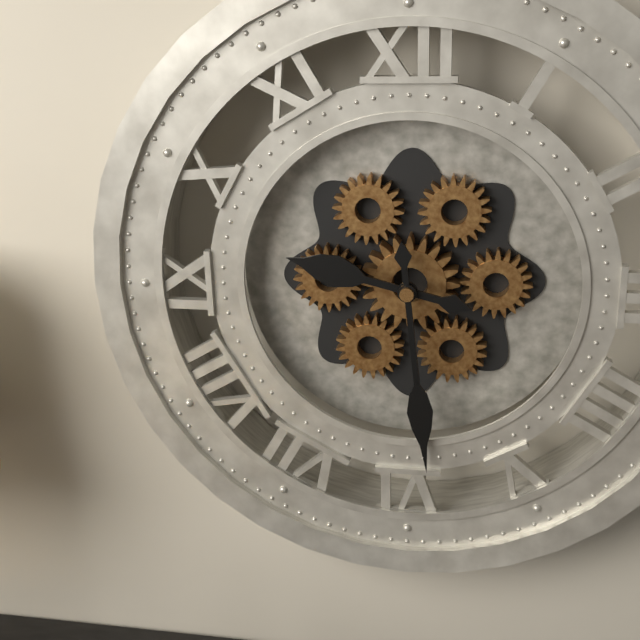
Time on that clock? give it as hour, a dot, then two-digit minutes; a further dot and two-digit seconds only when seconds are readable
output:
9.29
